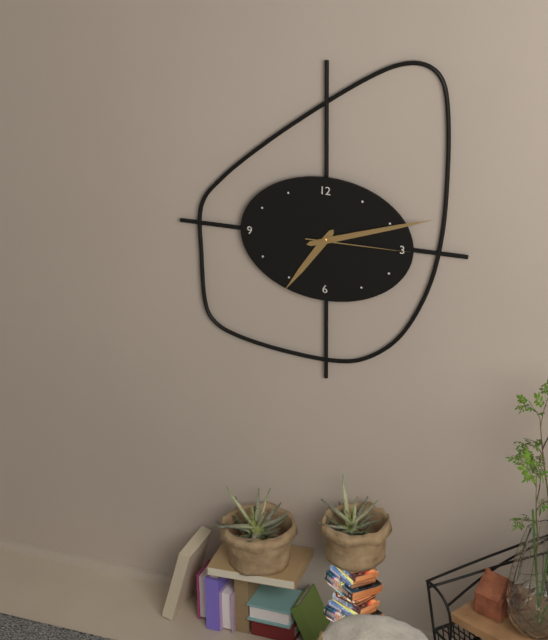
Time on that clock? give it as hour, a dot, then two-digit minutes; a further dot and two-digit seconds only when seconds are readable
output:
7.12.15
